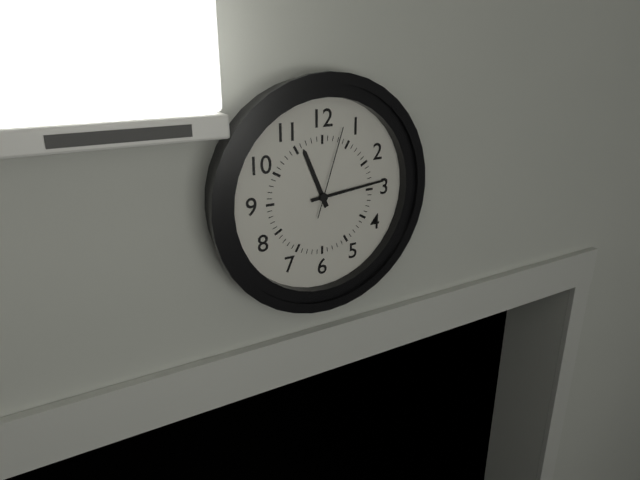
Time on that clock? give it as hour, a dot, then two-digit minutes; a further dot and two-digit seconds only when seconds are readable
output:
11.14.03
